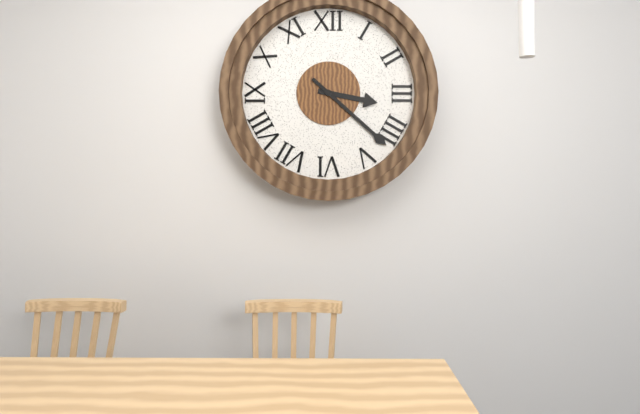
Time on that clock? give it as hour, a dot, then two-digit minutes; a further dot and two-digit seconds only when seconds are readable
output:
3.22
